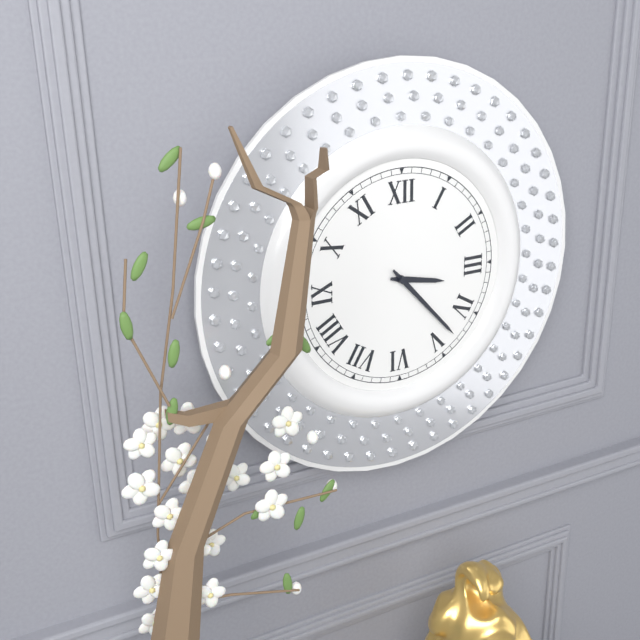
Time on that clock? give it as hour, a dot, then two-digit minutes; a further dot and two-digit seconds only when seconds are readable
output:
3.23
